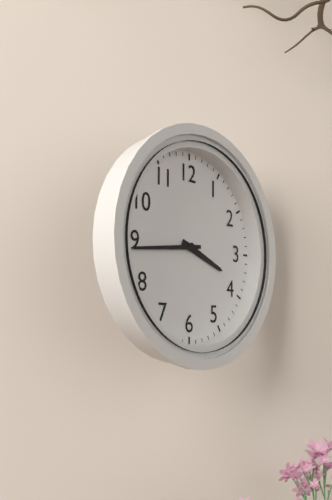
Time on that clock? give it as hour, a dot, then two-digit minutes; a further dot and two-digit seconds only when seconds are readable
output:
3.44
